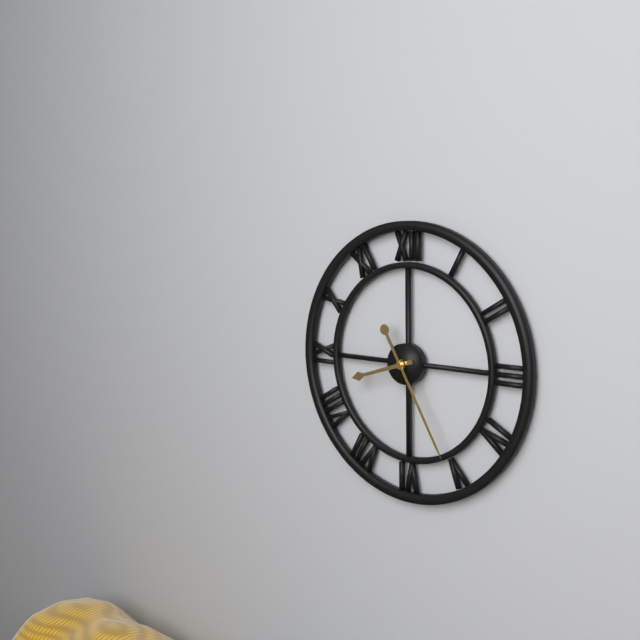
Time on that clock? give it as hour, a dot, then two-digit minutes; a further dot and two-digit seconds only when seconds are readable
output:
8.25
